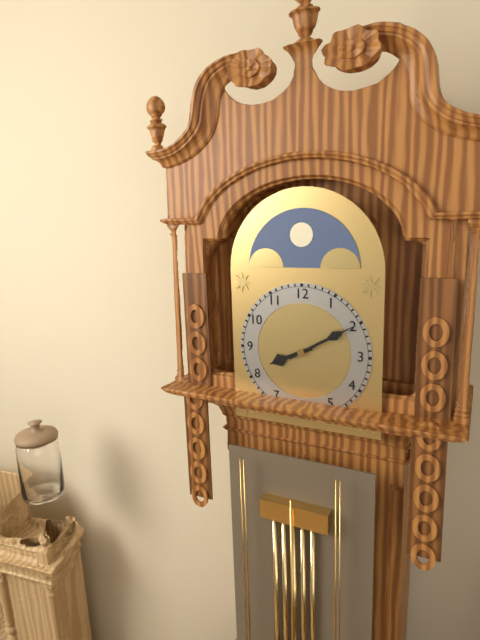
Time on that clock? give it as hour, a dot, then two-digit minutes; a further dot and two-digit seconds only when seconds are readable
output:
8.10
